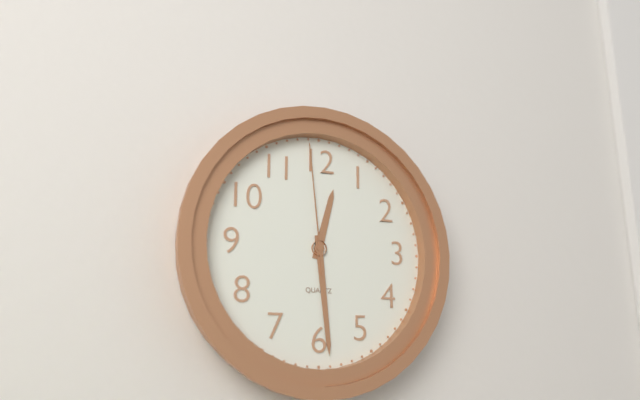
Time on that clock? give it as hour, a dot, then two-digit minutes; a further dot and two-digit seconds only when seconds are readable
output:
12.29.59
